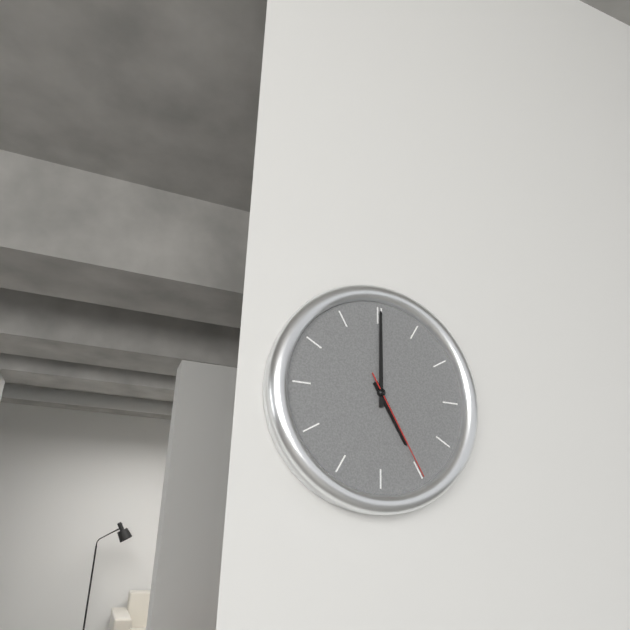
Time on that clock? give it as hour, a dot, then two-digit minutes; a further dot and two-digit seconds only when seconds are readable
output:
5.00.25
